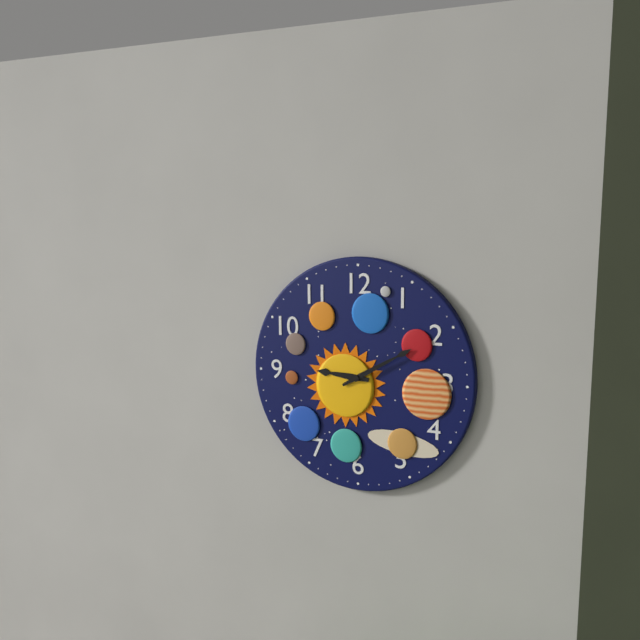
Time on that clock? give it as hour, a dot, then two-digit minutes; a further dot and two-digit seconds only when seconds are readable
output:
9.10
